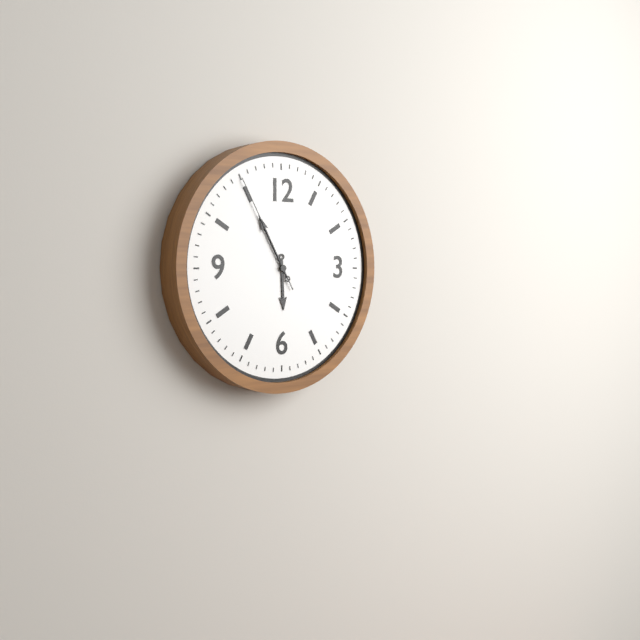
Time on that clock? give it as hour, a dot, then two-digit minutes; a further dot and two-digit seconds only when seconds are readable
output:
5.55.55
